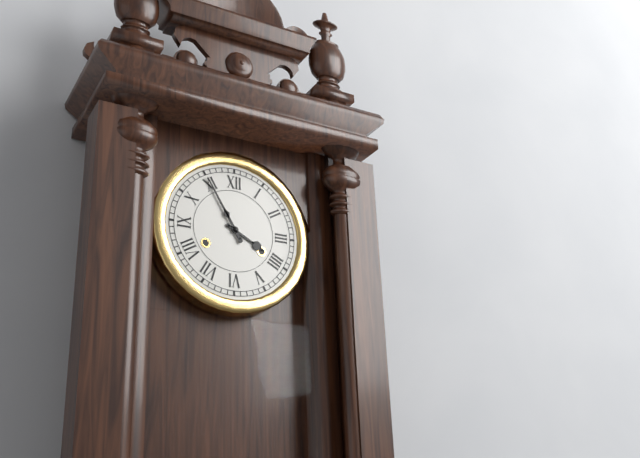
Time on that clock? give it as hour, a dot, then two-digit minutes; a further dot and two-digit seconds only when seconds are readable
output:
3.55
